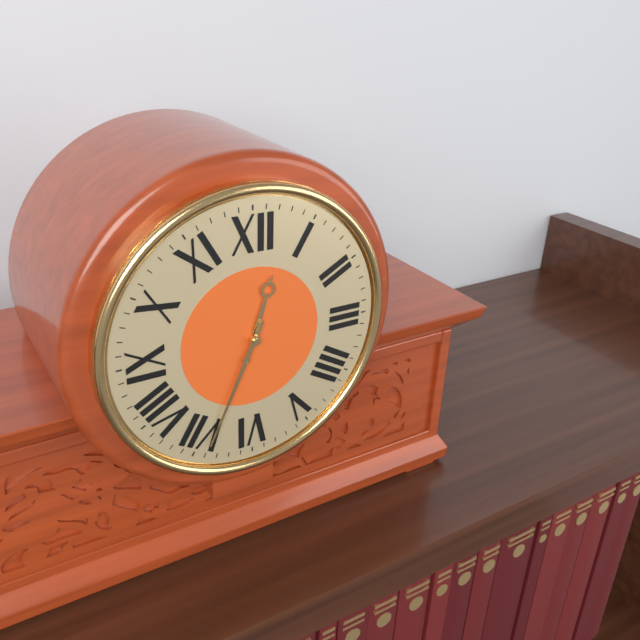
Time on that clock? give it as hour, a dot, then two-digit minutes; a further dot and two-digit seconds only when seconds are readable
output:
12.34
